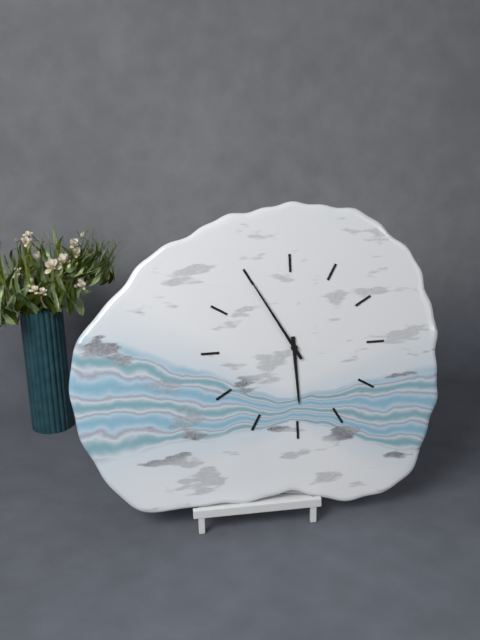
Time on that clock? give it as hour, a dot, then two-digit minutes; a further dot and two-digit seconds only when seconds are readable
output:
5.55
